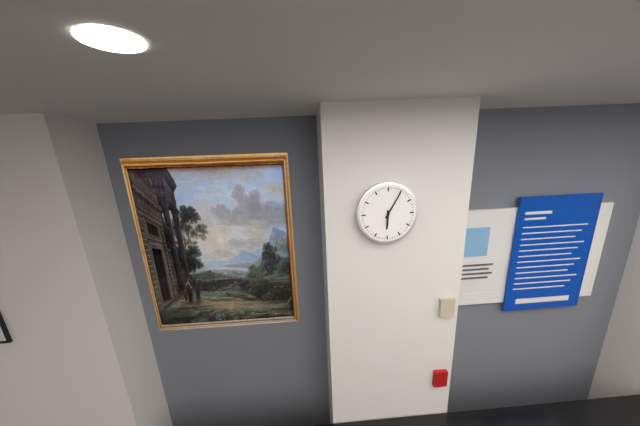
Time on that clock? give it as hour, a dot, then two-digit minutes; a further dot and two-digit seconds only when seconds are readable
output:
6.05
